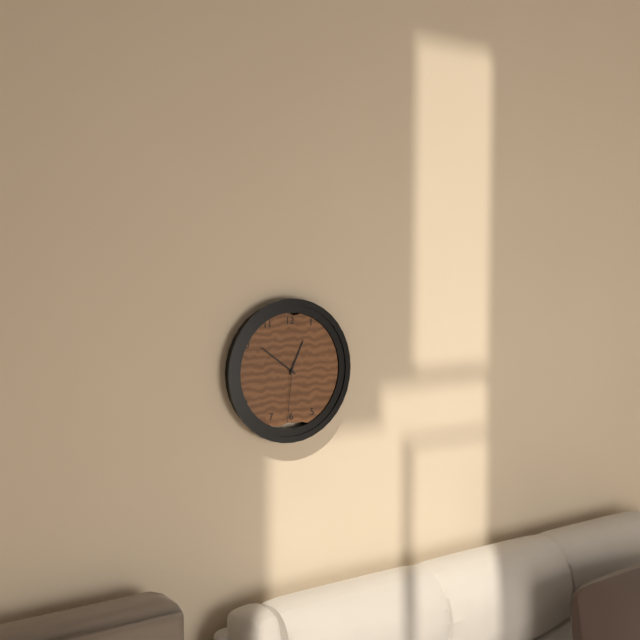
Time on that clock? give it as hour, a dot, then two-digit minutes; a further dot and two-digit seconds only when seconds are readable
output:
12.51.31
